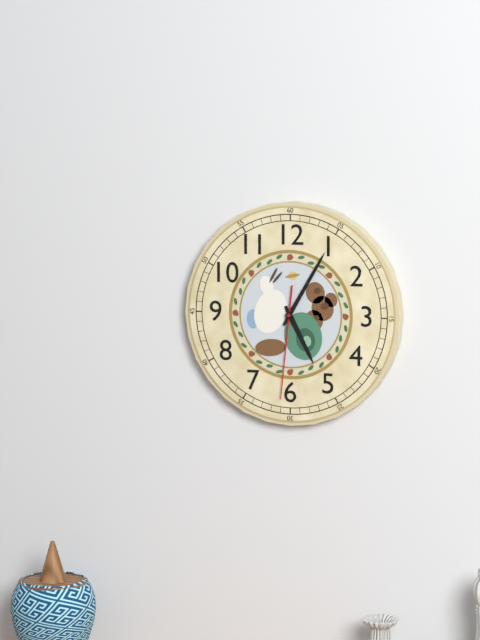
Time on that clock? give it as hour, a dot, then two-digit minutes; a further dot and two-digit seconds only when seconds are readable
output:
5.05.31
